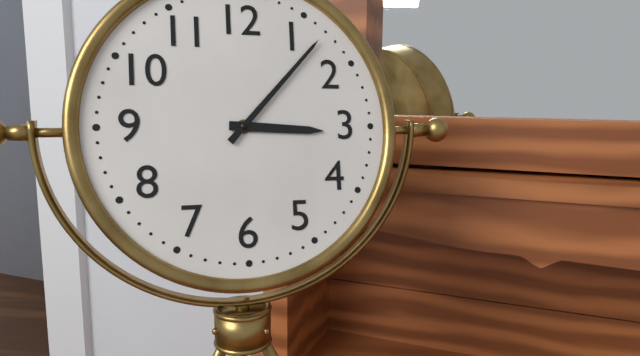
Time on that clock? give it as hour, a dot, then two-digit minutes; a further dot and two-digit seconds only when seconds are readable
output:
3.07
